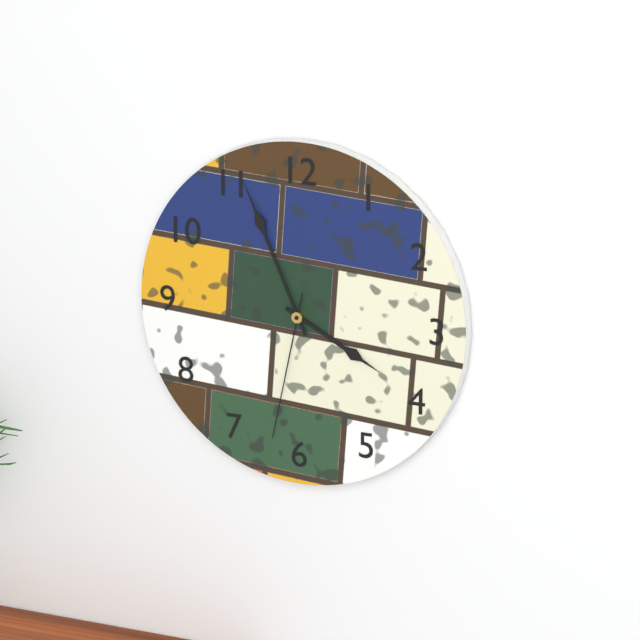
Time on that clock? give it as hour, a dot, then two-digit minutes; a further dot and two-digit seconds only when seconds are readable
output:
3.56.32
